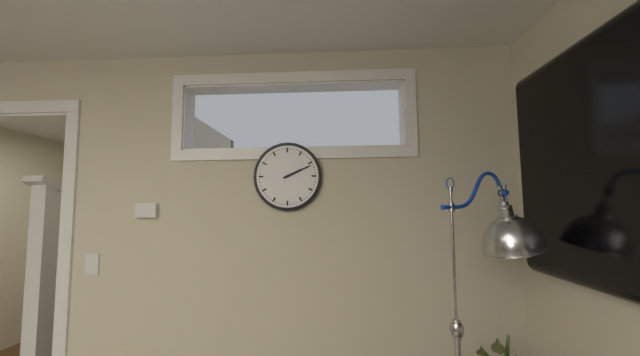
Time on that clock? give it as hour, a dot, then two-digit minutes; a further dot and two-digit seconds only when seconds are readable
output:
2.11
